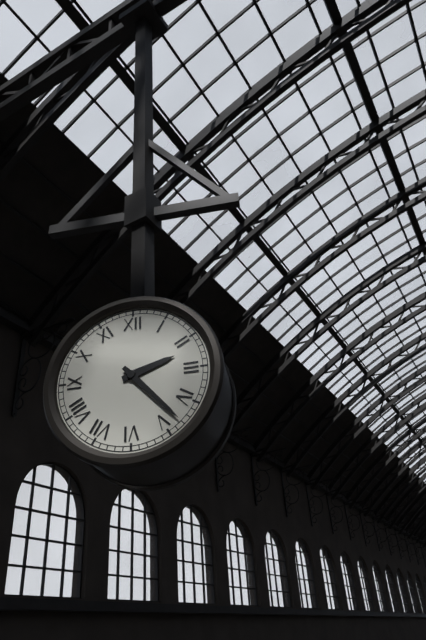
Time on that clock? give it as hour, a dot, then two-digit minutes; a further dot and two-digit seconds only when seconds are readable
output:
2.23
